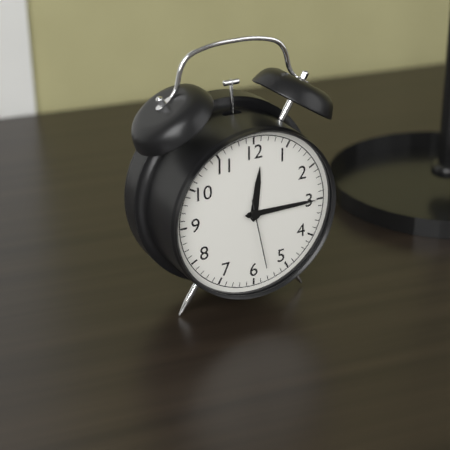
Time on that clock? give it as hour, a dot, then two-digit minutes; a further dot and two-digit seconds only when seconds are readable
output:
12.15.28
